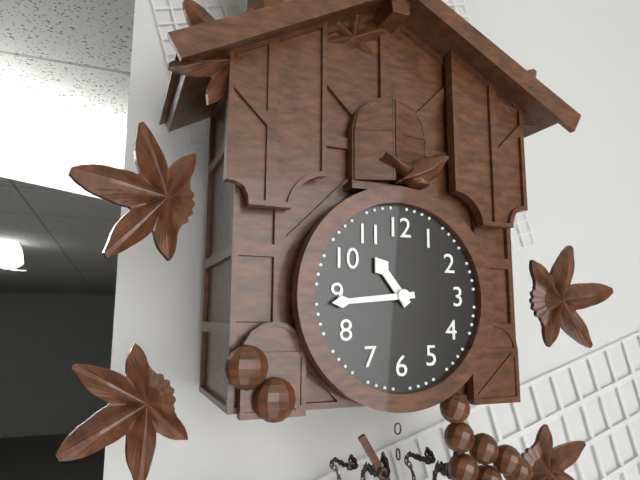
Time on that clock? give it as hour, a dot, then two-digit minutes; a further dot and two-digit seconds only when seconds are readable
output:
10.44
